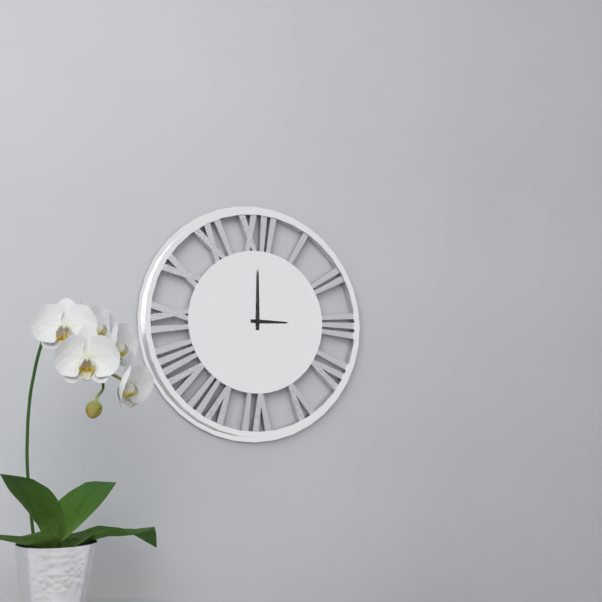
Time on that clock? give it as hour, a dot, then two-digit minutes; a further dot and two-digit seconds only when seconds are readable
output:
3.00
